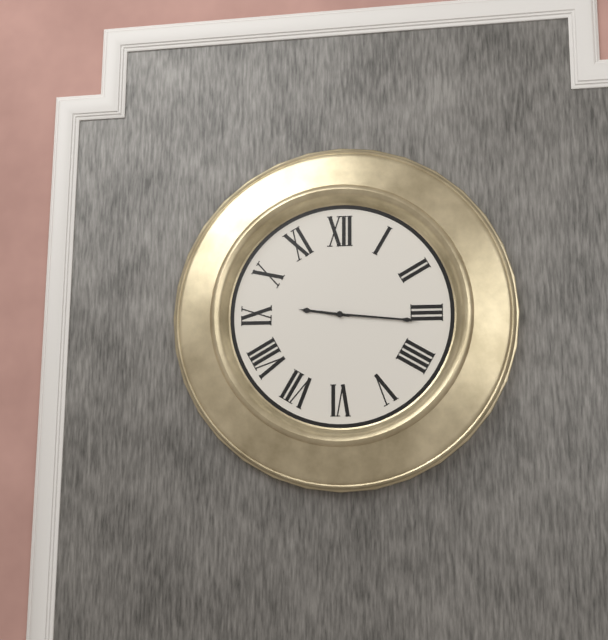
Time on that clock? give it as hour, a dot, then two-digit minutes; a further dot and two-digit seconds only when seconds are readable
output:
9.16
